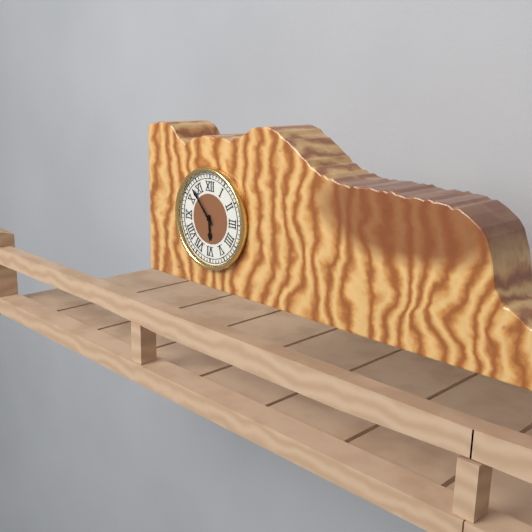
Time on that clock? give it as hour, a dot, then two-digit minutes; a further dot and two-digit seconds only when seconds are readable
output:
5.53
